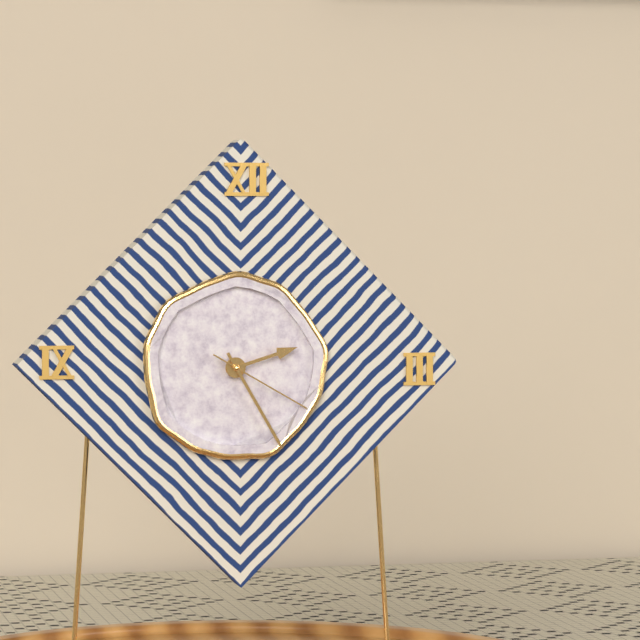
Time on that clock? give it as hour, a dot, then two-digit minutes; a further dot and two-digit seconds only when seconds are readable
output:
2.25.20
